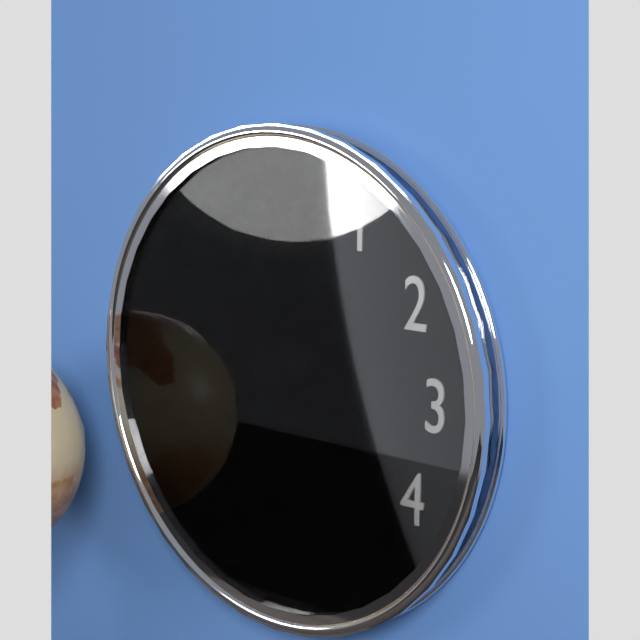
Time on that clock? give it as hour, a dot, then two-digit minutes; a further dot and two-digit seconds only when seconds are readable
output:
4.54
